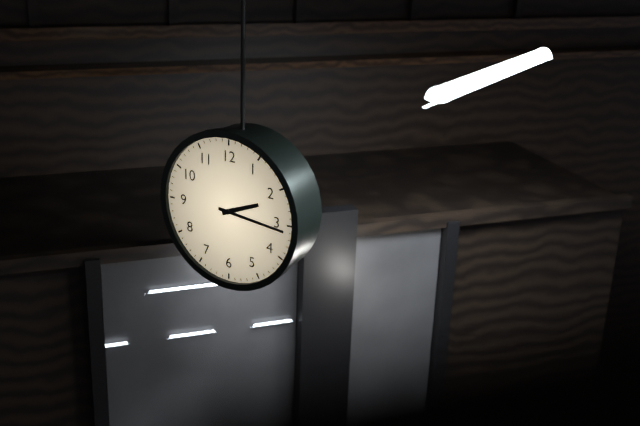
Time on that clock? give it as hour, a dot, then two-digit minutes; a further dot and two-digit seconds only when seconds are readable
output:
2.16
